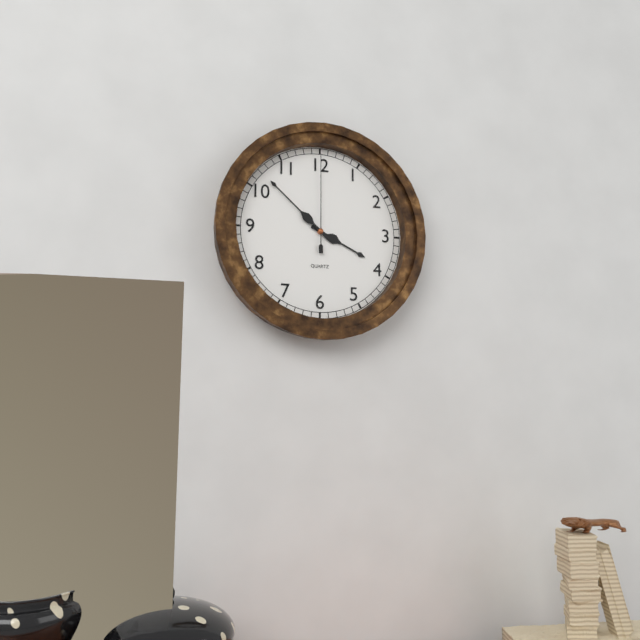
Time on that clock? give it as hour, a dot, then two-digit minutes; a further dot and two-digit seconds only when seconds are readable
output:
3.52.00
